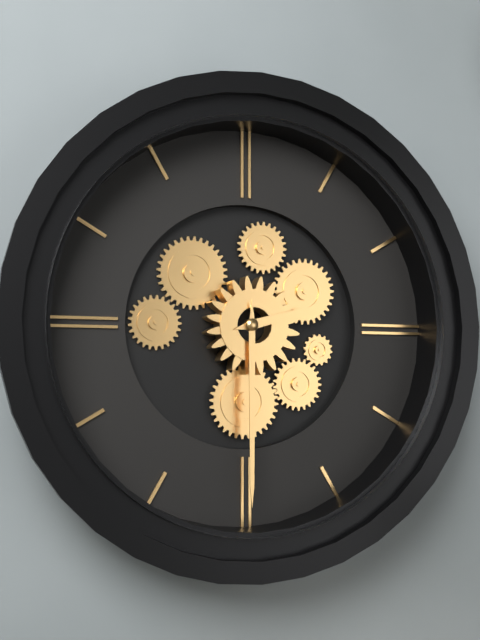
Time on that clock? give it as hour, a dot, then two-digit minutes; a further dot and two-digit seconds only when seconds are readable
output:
2.30
